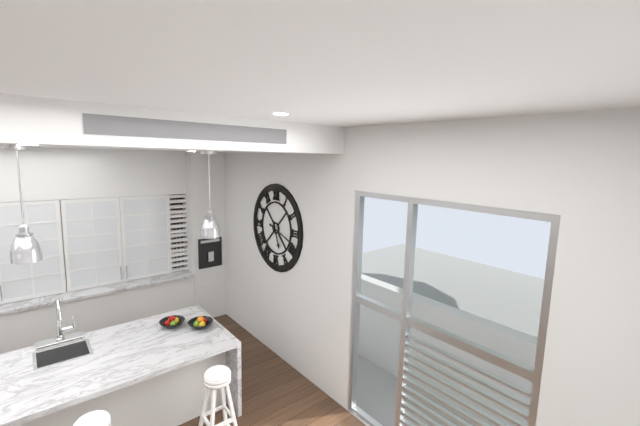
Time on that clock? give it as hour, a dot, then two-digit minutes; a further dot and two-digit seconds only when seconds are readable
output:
5.18
